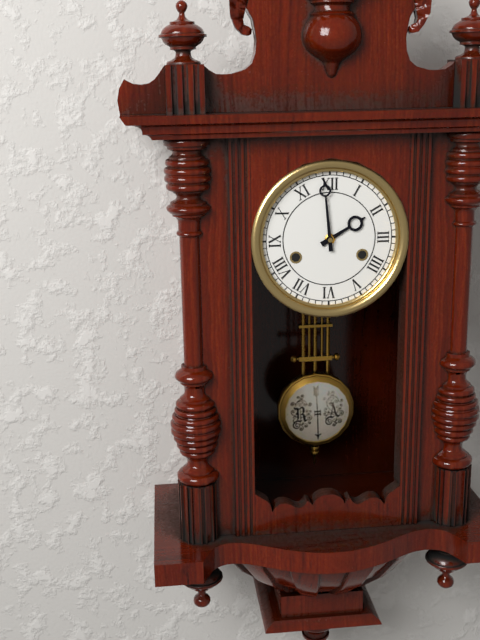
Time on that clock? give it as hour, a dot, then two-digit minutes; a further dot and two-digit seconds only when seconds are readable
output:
1.59
